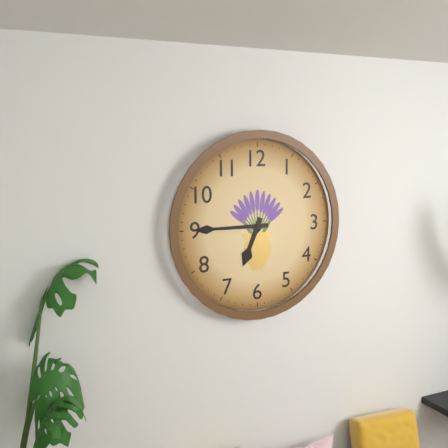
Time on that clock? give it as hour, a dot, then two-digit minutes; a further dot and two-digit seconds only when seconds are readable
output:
6.45
